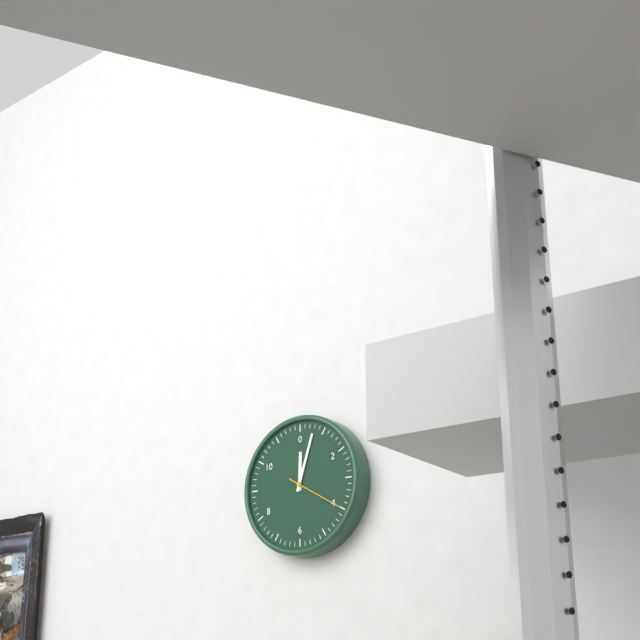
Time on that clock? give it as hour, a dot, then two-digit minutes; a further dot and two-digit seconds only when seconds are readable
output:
12.03.20
